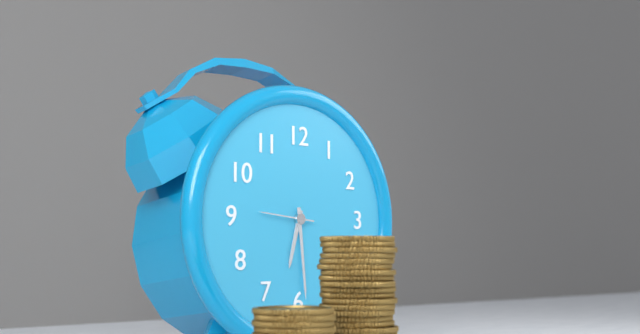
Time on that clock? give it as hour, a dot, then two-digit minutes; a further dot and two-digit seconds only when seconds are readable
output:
6.29
